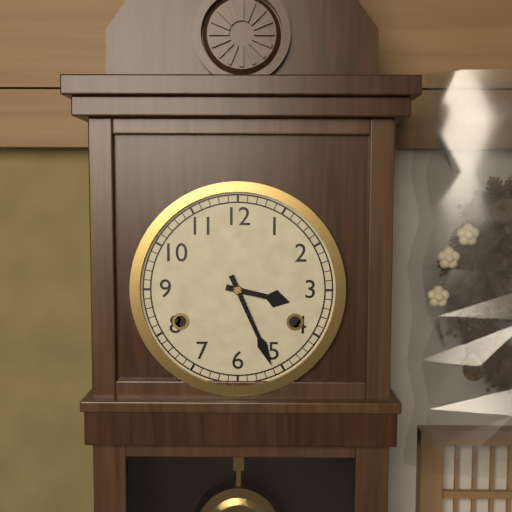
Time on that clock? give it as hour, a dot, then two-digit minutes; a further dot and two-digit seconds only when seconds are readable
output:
3.26
